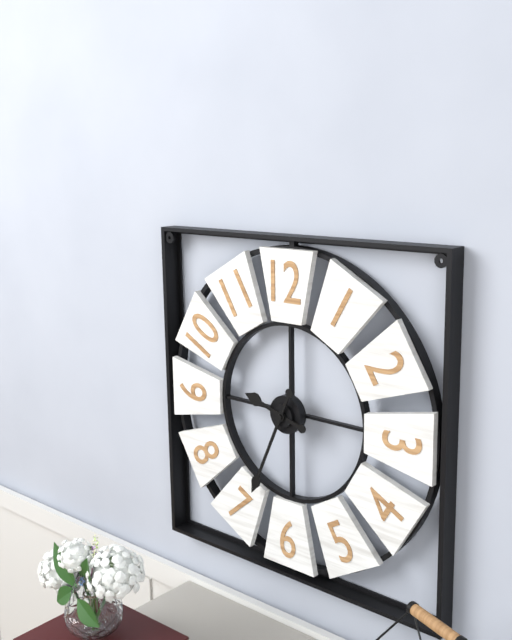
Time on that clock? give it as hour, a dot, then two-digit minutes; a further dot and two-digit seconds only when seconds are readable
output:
9.34
